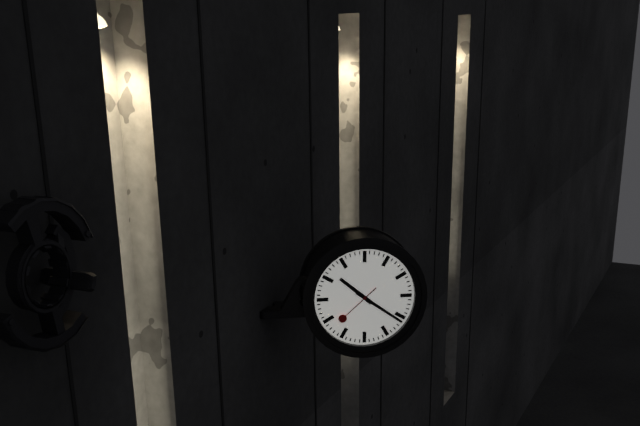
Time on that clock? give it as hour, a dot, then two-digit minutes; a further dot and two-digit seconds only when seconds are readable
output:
10.21
